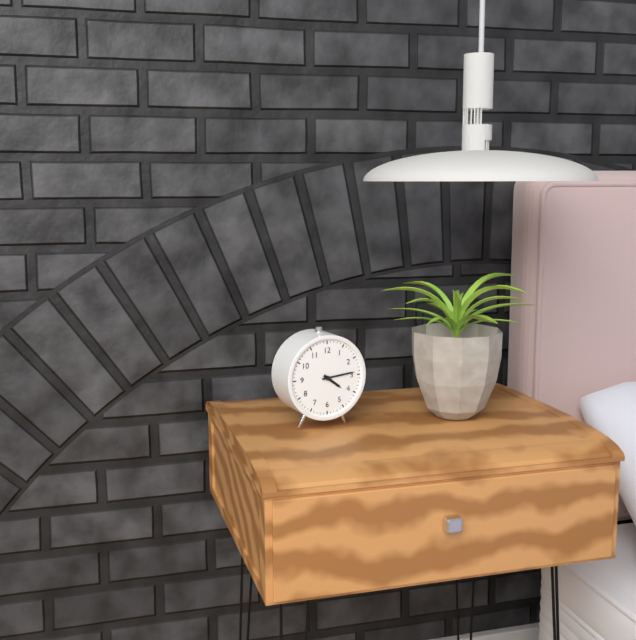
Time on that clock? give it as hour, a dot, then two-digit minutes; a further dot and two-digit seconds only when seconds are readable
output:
4.14
